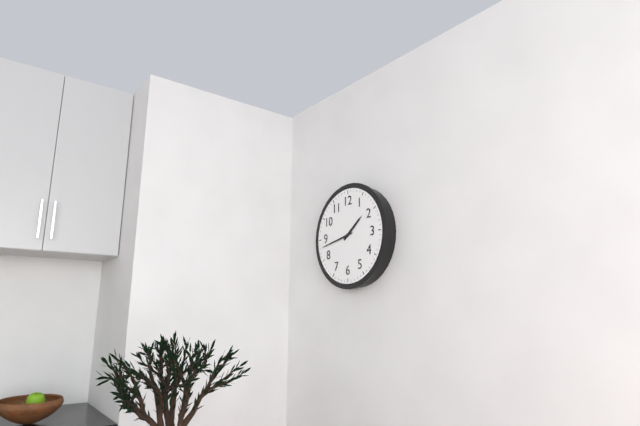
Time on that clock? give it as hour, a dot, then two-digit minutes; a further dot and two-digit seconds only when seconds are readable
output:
1.43
